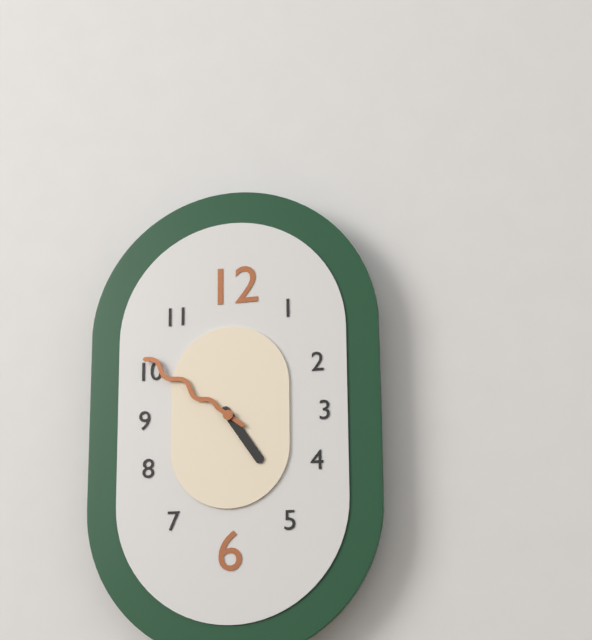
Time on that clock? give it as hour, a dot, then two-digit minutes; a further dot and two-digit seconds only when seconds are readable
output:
4.51
